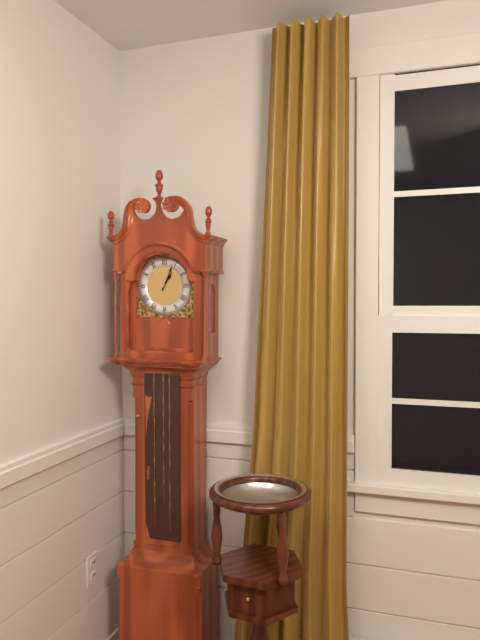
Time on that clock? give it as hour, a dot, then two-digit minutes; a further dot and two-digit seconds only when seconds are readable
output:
1.04
